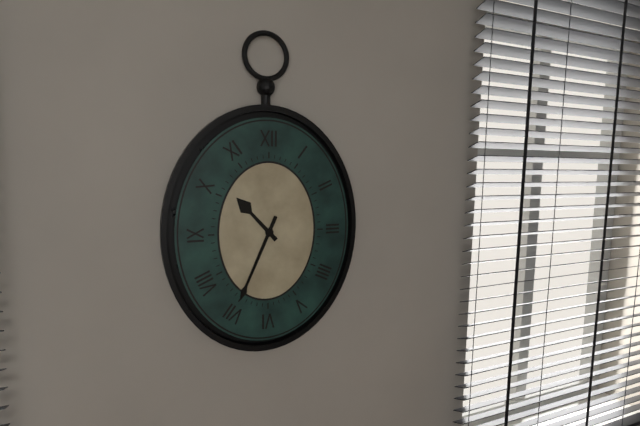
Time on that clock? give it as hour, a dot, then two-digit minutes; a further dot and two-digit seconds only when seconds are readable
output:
10.34
